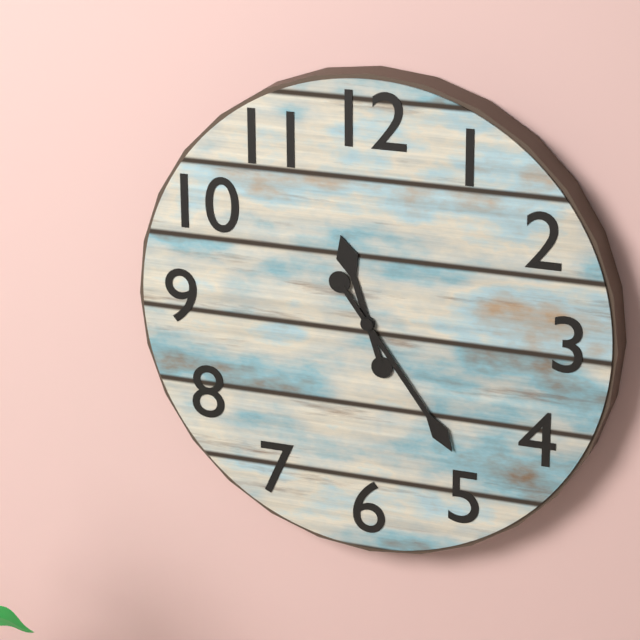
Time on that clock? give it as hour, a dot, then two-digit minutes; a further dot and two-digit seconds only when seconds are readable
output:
11.24
